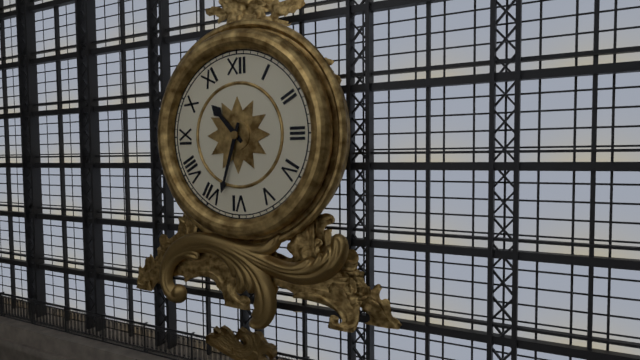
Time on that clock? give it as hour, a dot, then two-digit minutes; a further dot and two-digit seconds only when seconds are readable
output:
10.33
